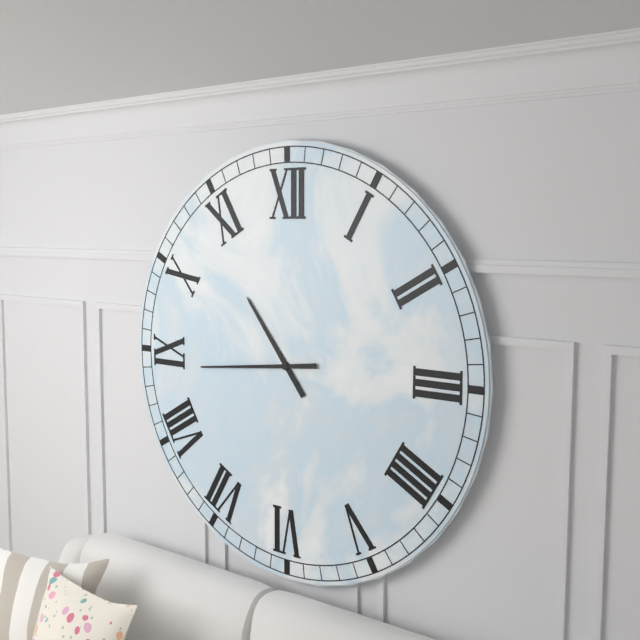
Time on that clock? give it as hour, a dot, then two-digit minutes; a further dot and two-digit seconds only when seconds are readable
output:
10.44
